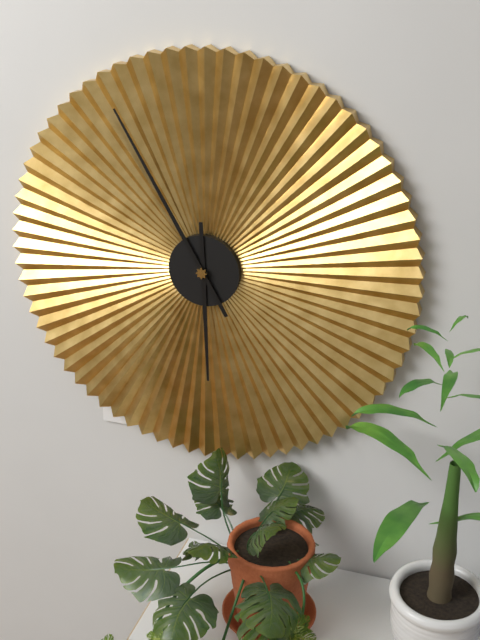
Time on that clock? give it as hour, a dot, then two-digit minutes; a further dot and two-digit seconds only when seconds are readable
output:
5.55
